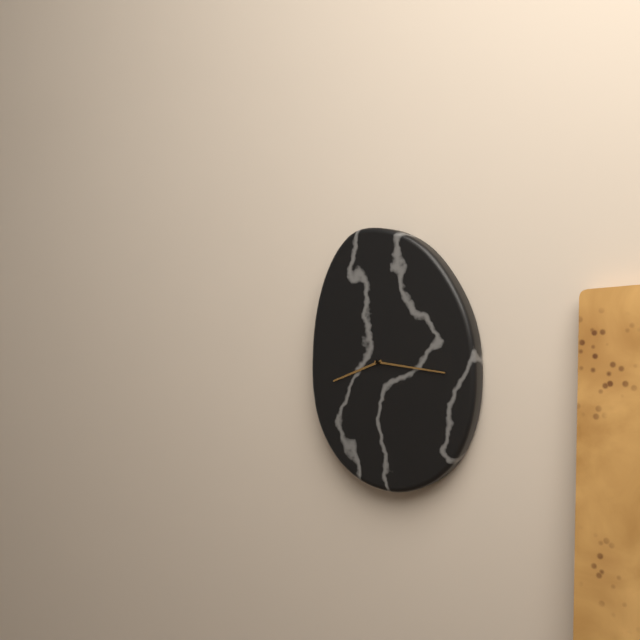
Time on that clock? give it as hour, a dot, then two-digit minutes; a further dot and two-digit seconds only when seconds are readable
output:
8.16
